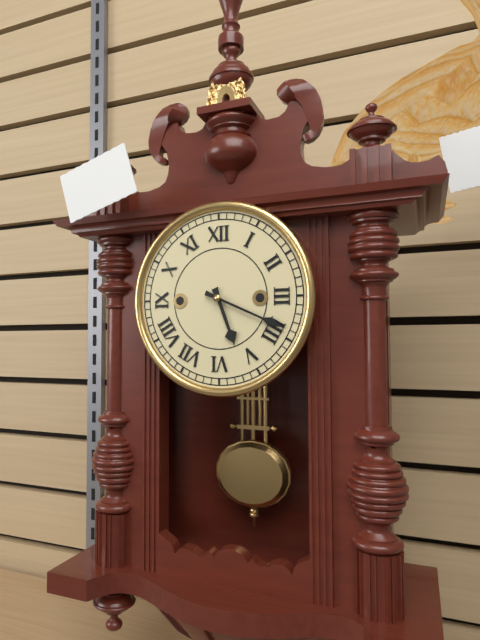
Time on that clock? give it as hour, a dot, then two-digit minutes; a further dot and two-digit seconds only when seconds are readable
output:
5.19
